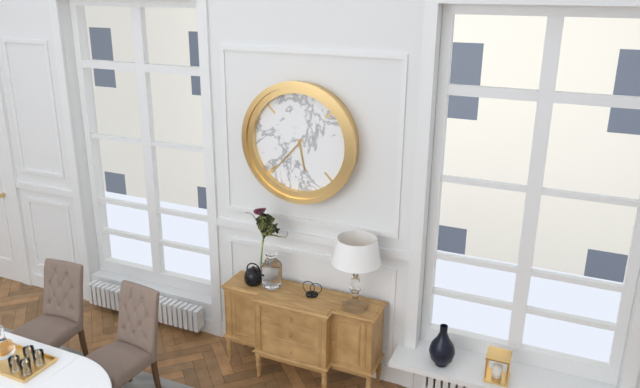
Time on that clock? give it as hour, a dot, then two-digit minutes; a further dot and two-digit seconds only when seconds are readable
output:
5.37
